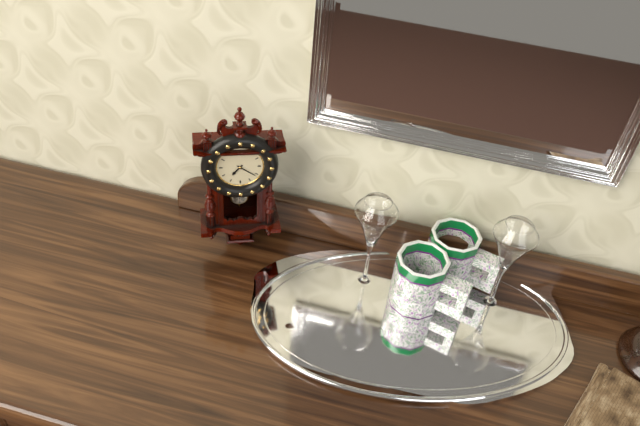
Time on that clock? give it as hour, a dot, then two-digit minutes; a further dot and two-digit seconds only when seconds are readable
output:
7.21
